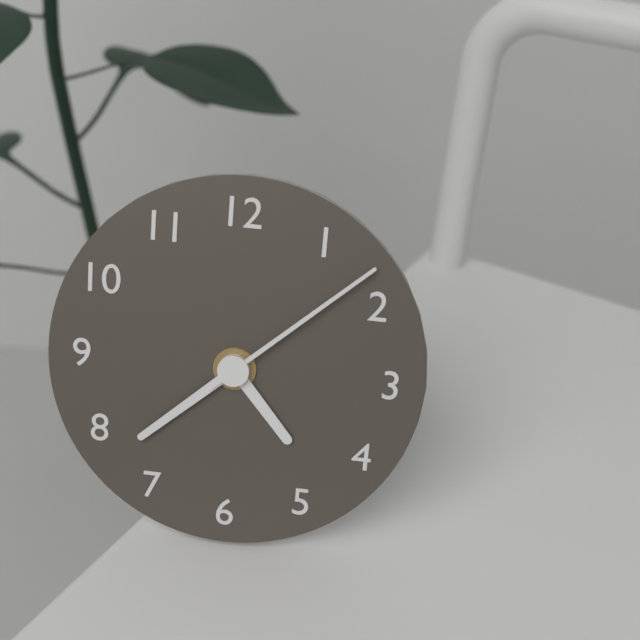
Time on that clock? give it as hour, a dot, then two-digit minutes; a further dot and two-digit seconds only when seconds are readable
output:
4.38.08
